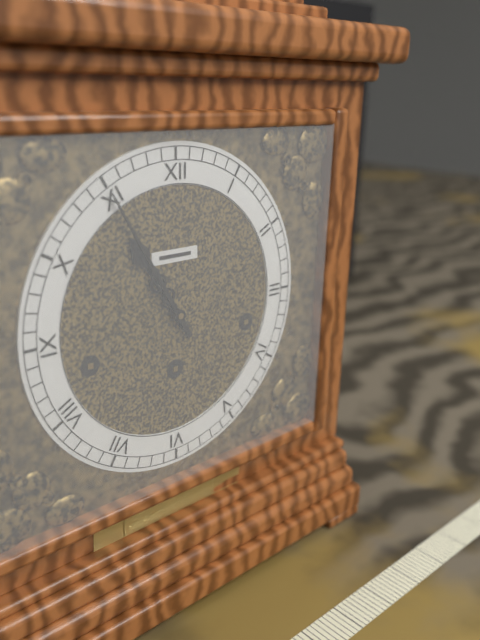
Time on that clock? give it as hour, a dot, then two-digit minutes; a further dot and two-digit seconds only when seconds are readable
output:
10.55
